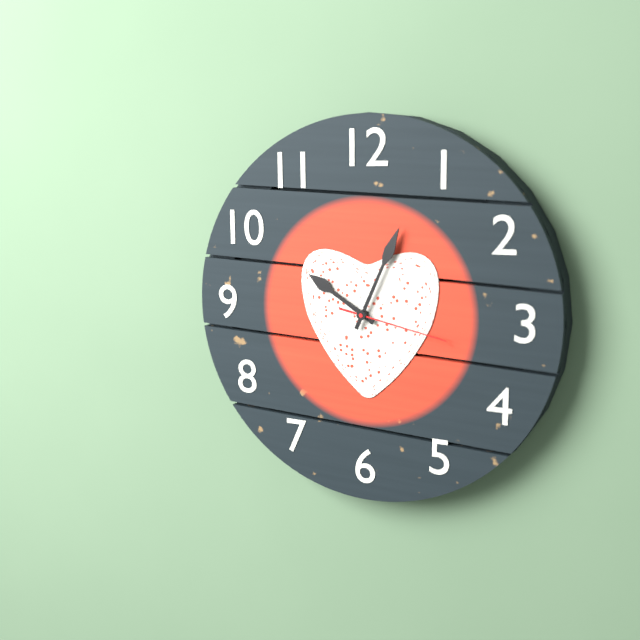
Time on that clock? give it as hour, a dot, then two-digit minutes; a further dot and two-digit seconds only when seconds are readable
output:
10.04.17
